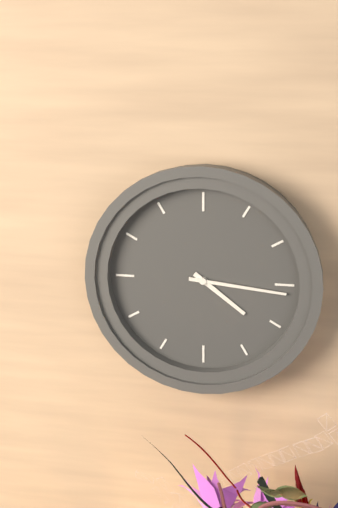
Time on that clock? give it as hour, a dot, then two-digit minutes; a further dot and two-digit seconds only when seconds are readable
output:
4.16
